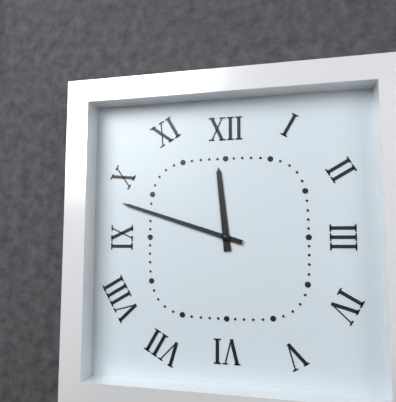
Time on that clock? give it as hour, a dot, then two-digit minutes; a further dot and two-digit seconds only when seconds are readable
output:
11.48
